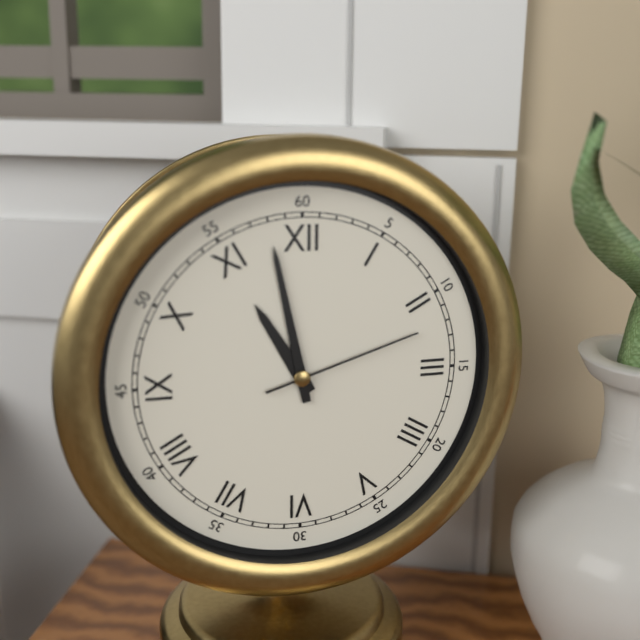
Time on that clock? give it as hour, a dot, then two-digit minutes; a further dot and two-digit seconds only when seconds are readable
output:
10.58.12
